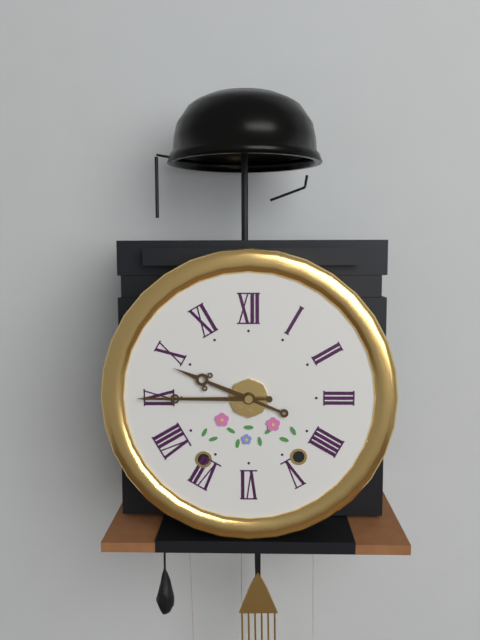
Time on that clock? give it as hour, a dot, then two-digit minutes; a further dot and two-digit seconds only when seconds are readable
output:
9.45
